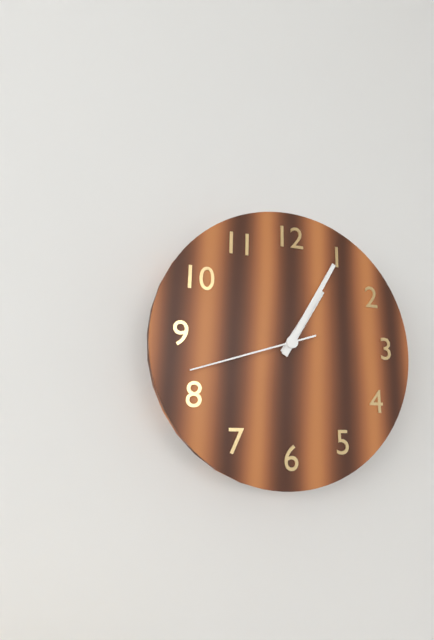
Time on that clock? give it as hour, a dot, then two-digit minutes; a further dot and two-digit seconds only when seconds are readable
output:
1.05.42
